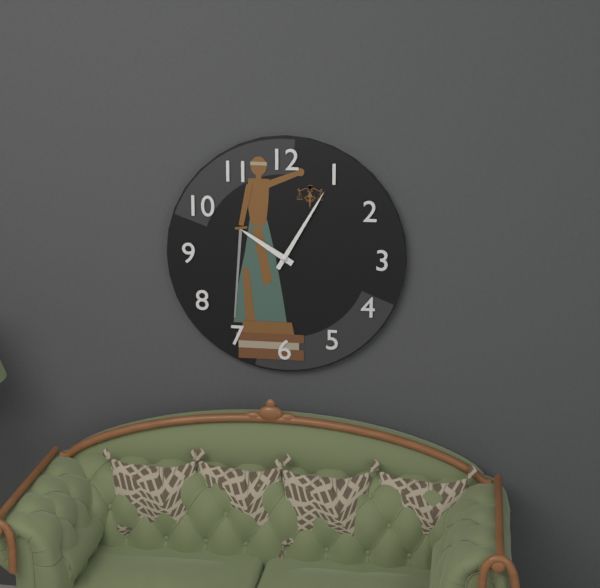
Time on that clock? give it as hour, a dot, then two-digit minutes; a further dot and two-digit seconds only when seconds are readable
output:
10.05
